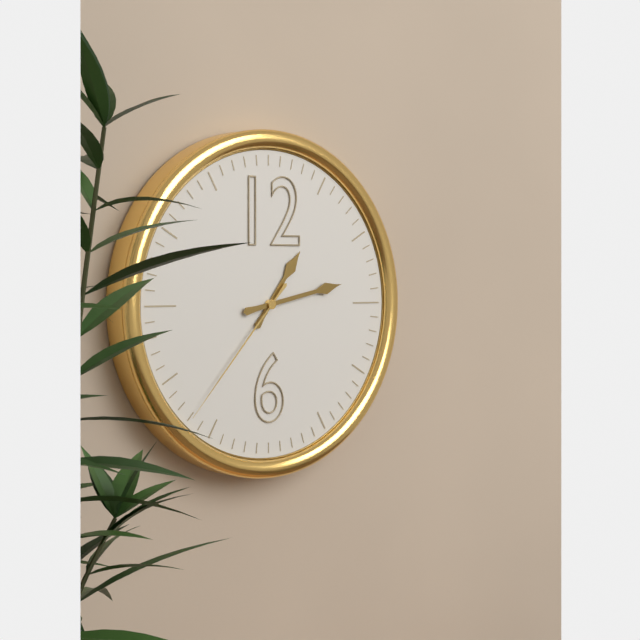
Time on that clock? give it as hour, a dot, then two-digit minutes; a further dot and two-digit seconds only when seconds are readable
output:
1.13.37
